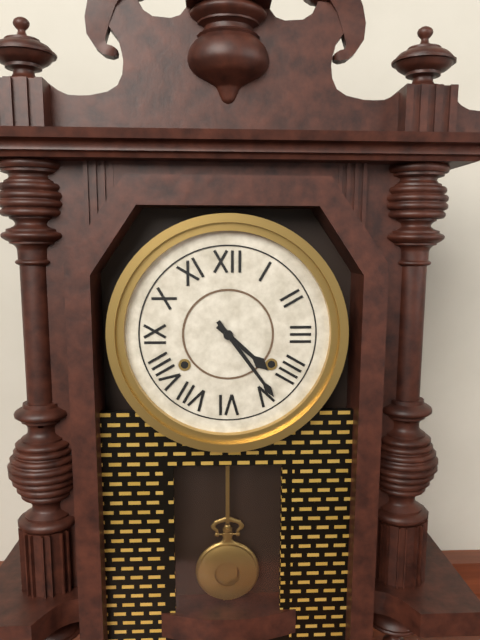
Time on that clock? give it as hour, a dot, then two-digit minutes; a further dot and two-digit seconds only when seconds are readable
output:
4.24
